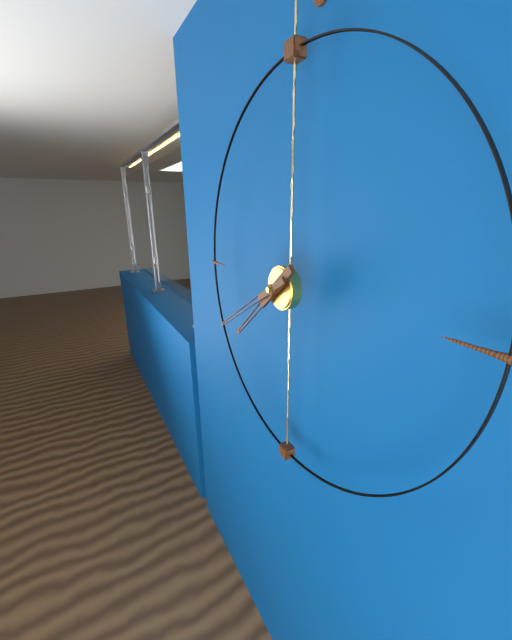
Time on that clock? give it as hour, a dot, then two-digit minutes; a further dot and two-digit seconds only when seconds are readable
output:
7.40
